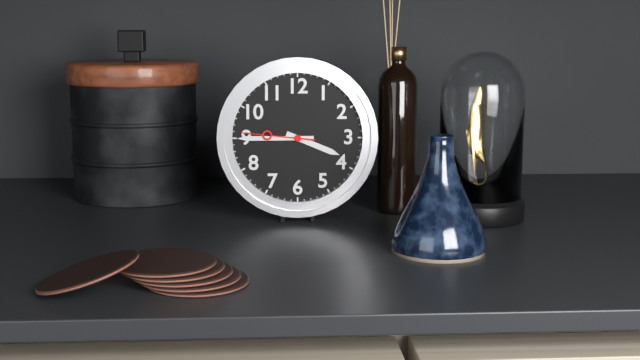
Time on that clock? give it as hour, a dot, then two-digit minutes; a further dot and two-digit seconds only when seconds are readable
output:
3.45.46
